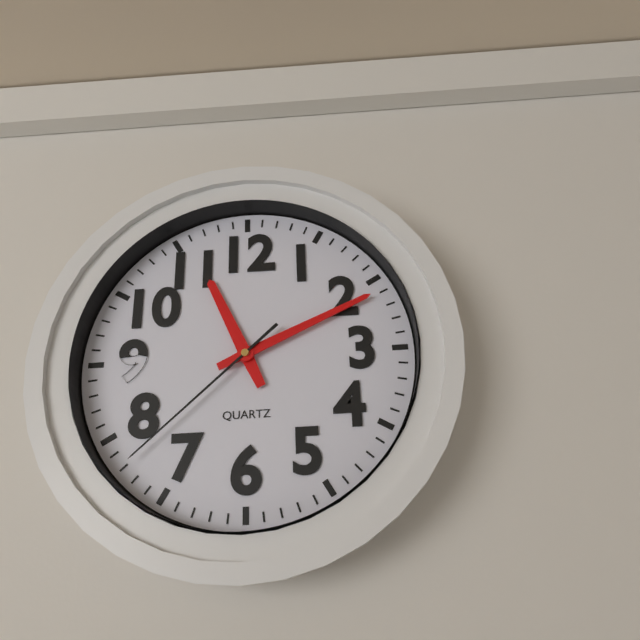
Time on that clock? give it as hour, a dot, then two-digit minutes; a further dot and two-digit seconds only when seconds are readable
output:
11.11.38
